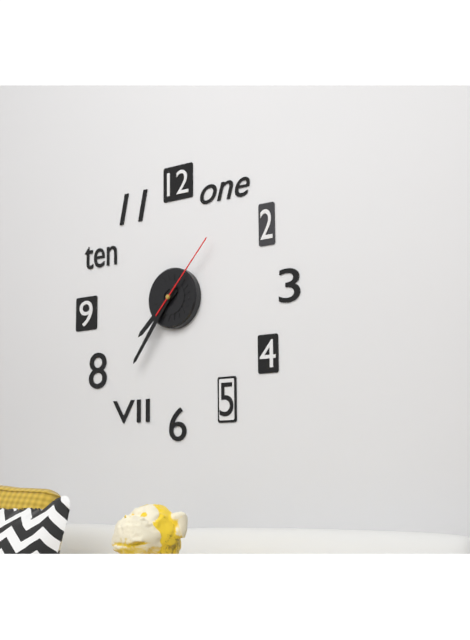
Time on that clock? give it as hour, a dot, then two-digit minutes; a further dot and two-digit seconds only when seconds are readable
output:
7.36.07
